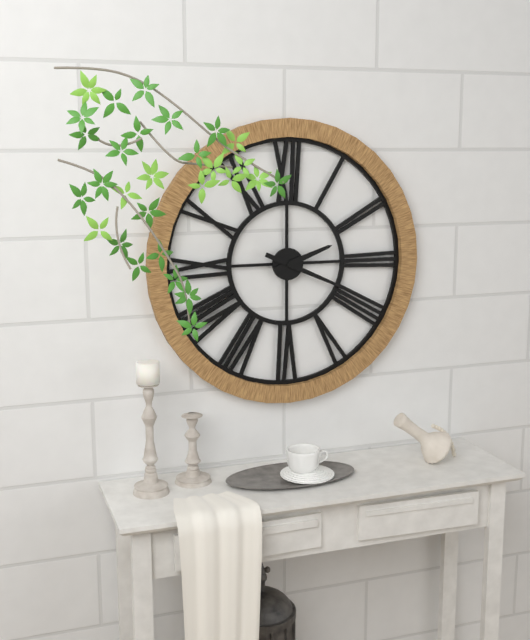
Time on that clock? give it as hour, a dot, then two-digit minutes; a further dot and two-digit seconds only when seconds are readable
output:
2.19
